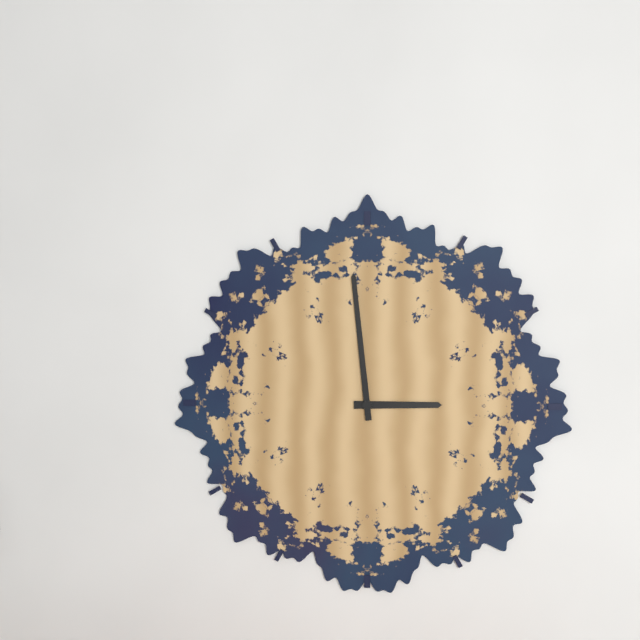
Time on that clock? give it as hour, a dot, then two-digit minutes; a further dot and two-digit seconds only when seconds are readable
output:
2.59
